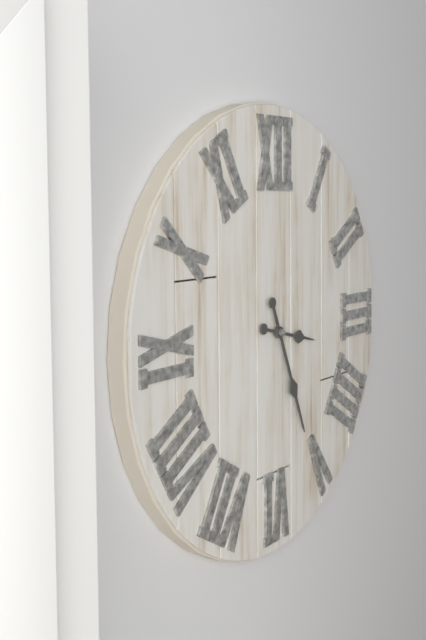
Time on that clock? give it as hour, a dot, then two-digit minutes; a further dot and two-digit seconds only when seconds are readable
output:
3.26
